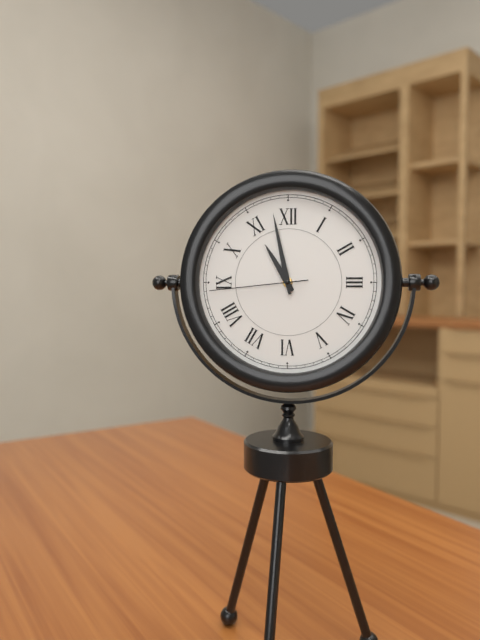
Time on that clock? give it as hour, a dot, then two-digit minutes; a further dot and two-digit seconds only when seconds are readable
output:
10.58.44
